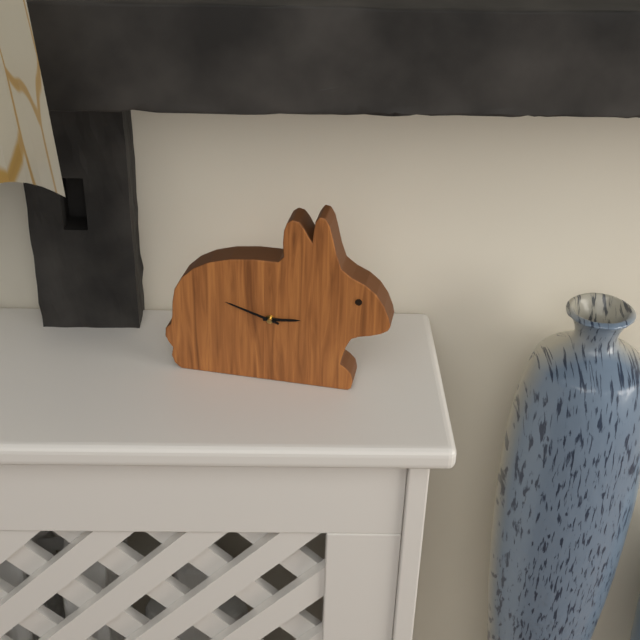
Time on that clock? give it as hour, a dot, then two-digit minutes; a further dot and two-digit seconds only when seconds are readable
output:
2.48
